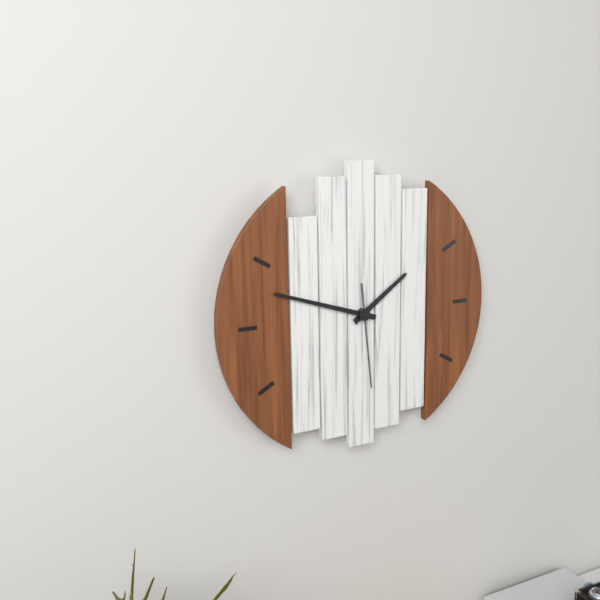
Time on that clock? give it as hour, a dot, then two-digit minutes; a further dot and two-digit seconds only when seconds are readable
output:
1.48.29
